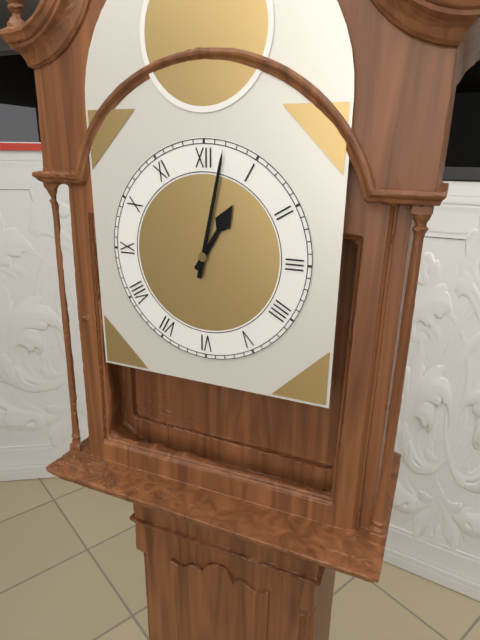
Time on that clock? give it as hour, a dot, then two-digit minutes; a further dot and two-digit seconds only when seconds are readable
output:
1.02
